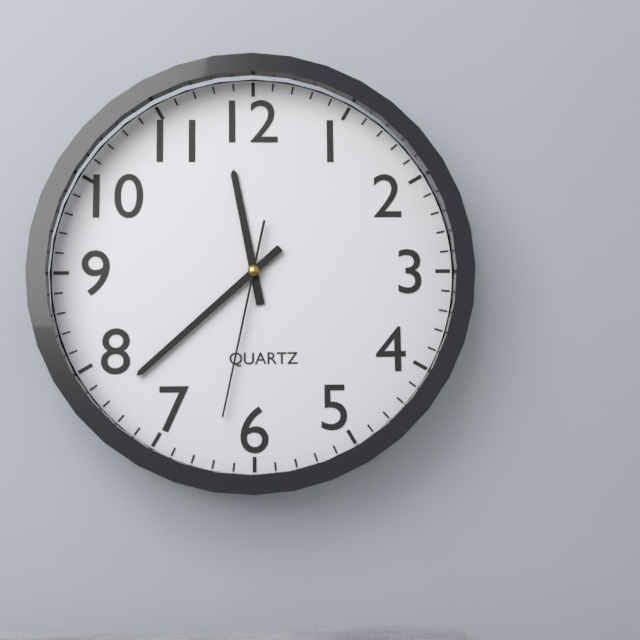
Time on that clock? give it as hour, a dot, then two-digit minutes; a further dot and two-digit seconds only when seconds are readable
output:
11.38.32
